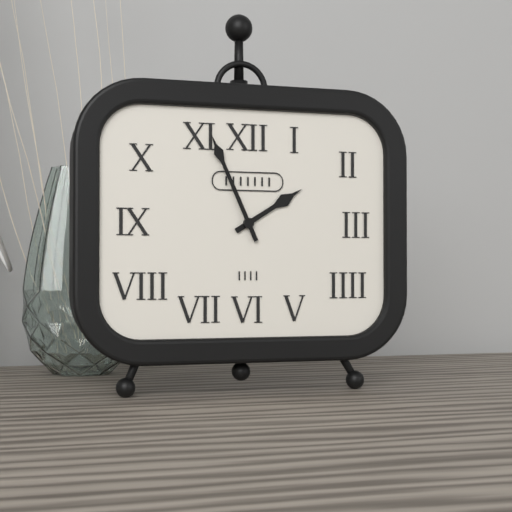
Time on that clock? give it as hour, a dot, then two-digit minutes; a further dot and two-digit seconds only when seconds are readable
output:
1.56
